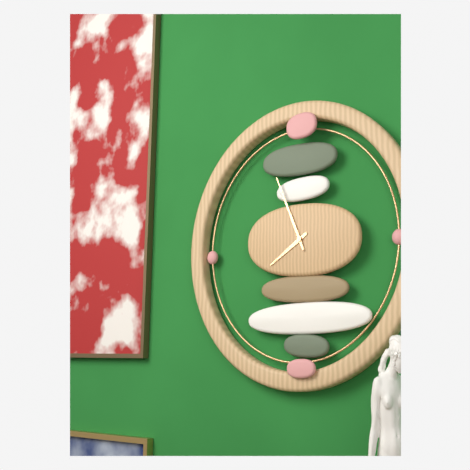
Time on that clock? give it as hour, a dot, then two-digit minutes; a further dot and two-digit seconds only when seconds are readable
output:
7.56
